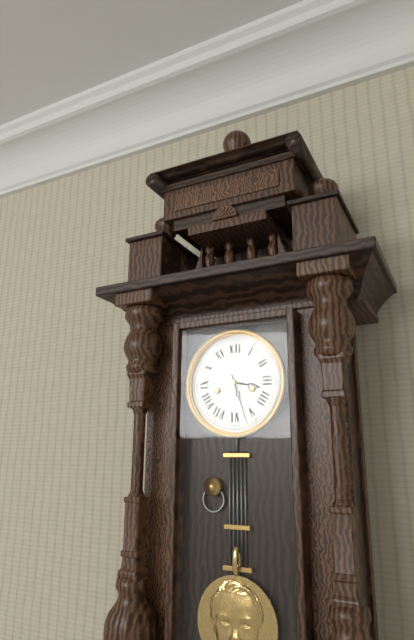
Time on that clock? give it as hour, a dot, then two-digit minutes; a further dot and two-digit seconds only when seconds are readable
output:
3.27
